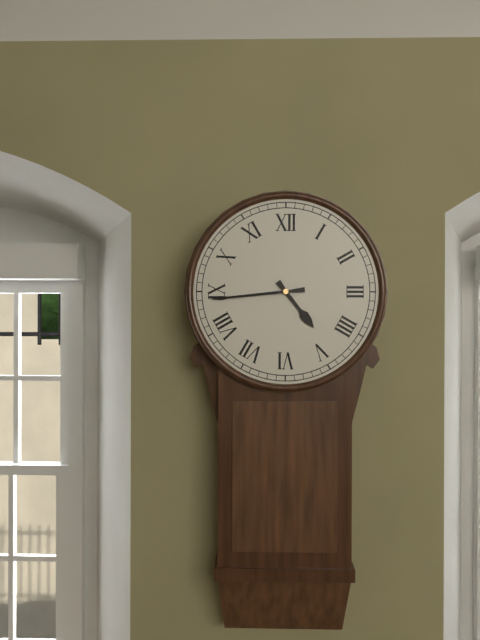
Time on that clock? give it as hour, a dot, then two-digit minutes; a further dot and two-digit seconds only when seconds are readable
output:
4.44
